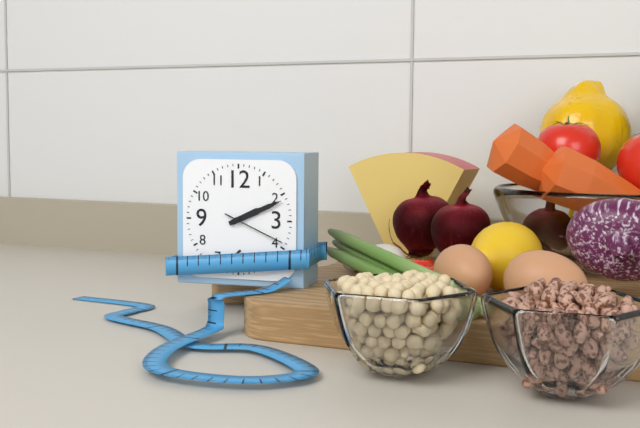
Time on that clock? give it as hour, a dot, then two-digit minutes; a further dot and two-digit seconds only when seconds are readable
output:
2.11.19
